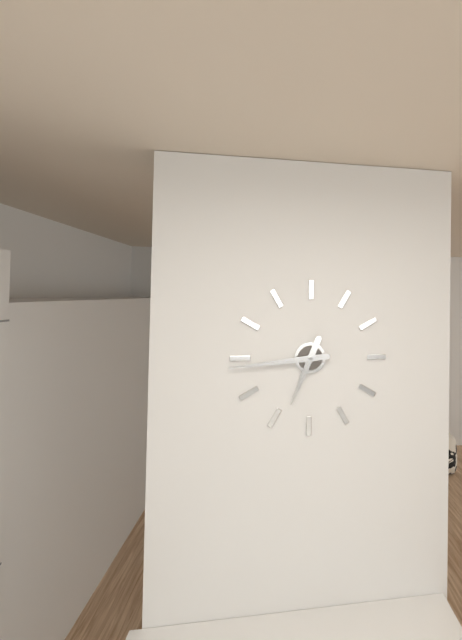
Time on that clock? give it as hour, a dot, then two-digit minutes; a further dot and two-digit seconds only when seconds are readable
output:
6.44
